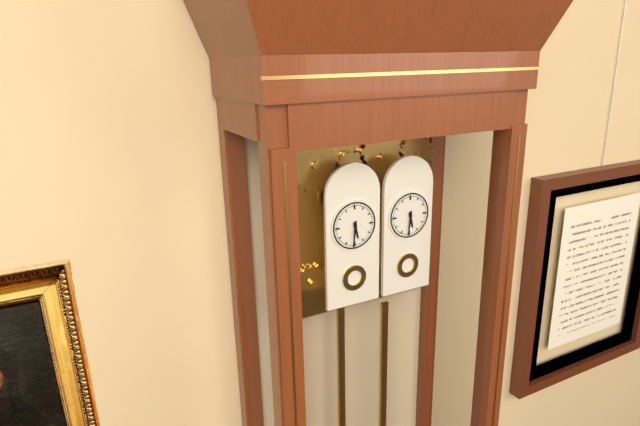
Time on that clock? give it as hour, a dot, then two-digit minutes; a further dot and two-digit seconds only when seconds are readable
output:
5.31
